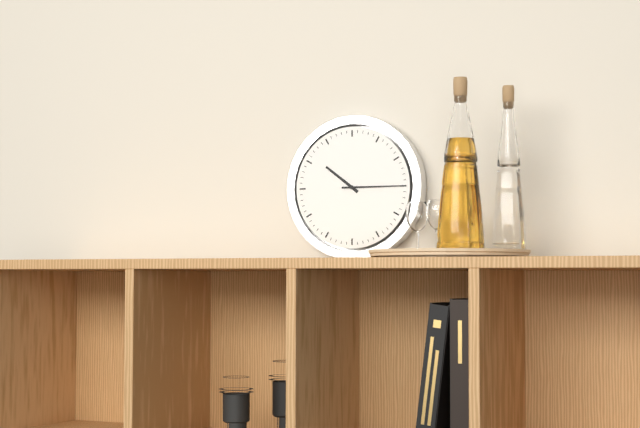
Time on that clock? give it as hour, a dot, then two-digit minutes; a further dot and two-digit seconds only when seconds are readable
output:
10.15
